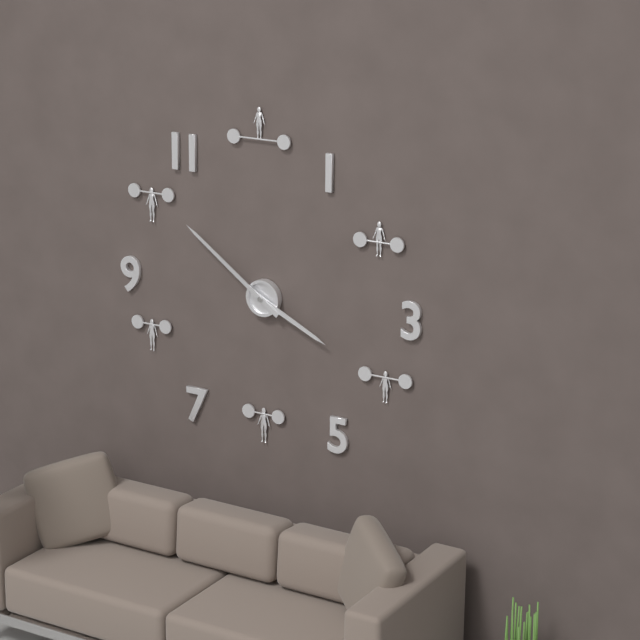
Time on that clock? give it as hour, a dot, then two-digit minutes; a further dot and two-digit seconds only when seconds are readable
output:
3.51
